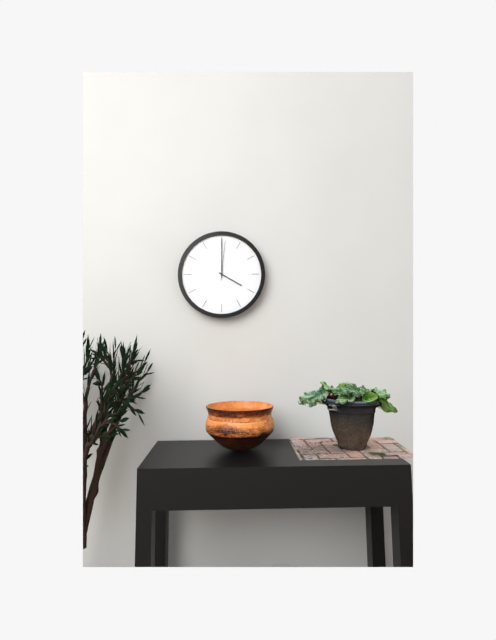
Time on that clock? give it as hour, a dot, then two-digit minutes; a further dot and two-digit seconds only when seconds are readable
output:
4.00
